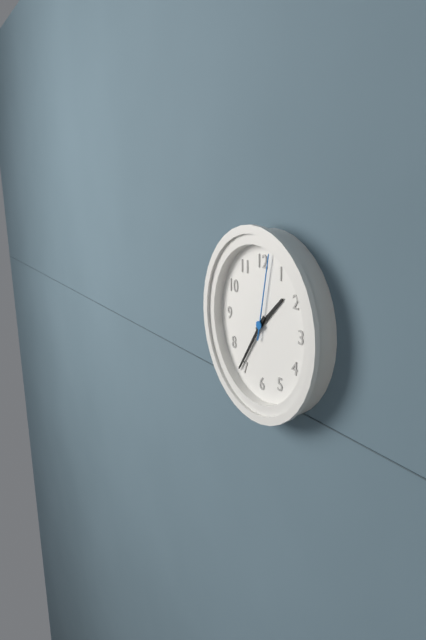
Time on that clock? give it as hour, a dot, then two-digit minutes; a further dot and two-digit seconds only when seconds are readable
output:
1.36.02
